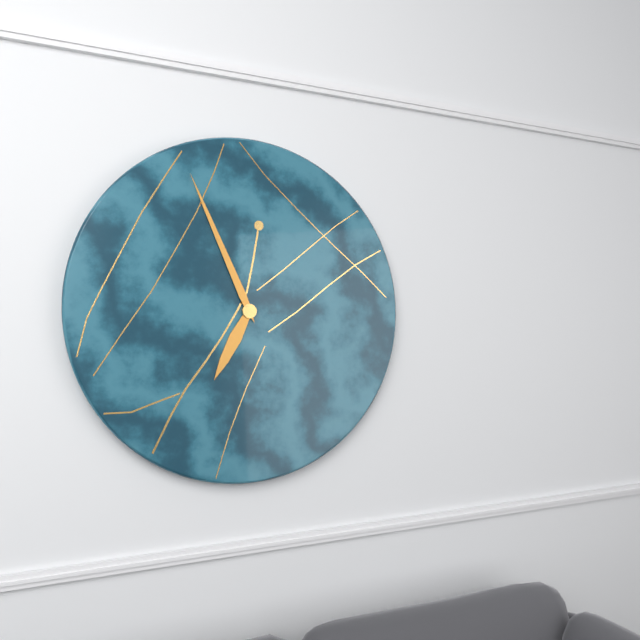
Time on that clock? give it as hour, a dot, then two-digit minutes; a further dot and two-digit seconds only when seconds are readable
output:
6.56
